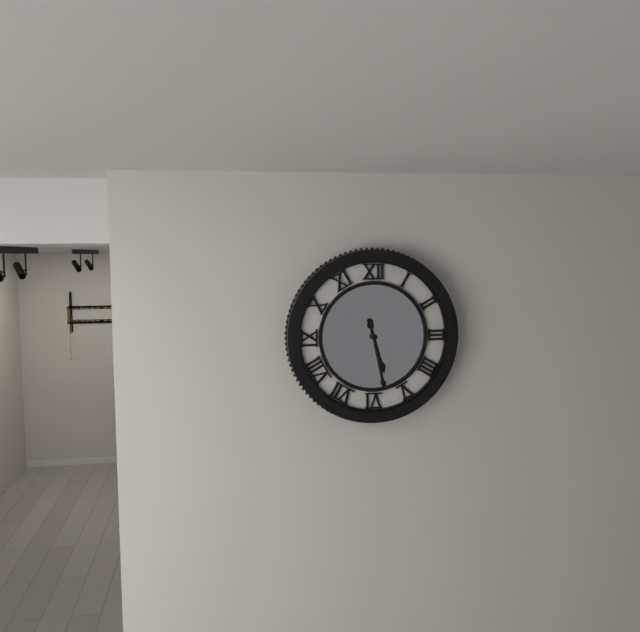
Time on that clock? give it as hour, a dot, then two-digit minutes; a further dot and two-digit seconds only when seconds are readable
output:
5.28
